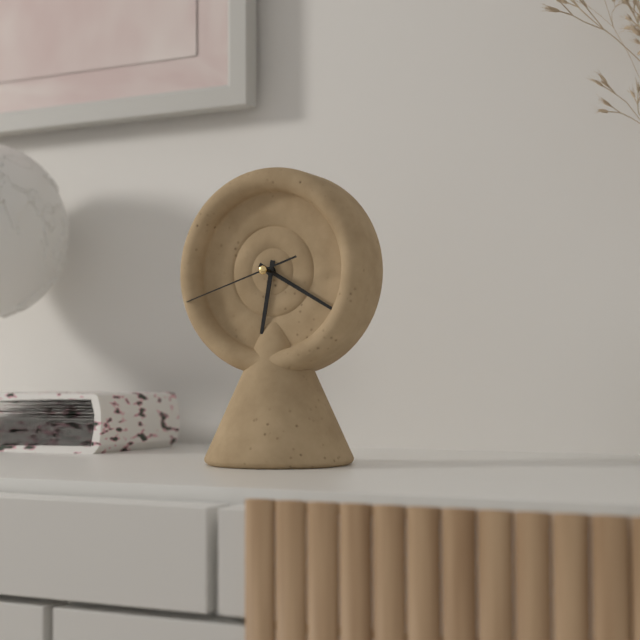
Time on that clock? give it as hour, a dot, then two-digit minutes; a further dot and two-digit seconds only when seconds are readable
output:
6.20.42
